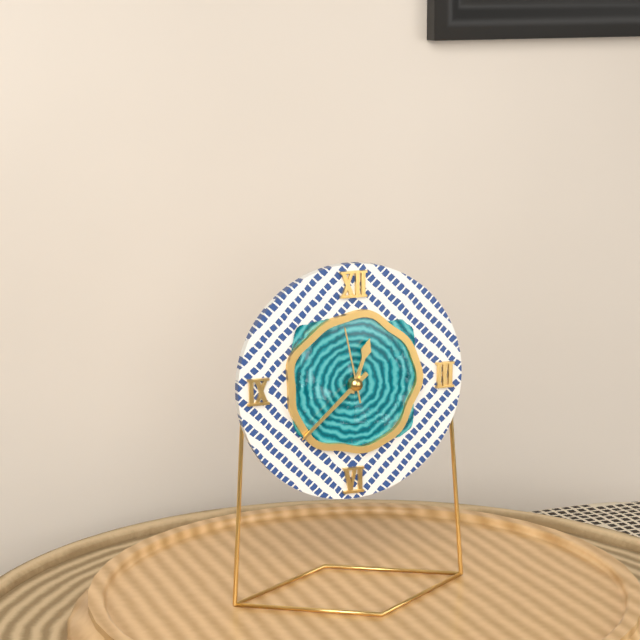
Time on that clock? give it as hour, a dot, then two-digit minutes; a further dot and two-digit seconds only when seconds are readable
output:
12.38.58
